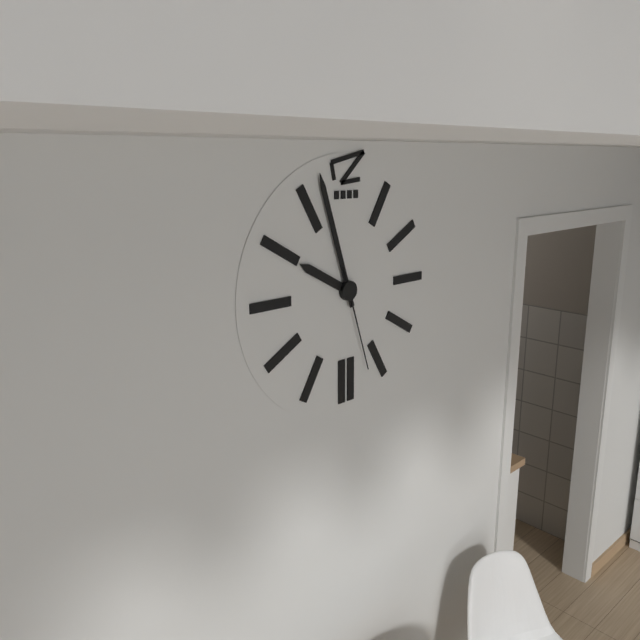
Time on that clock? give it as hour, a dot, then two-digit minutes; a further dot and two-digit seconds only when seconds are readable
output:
9.57.27
